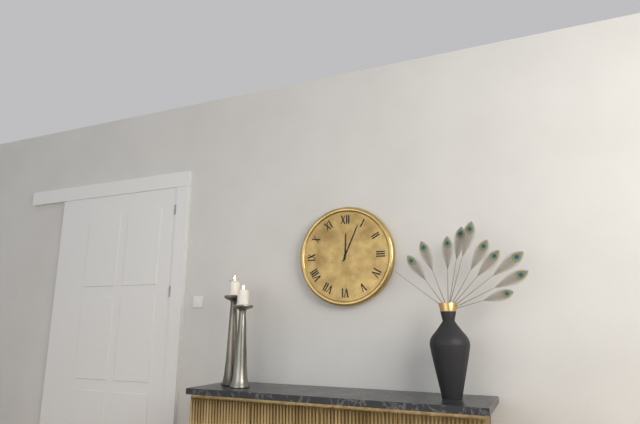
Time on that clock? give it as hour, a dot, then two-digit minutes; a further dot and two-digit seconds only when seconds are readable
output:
12.04
